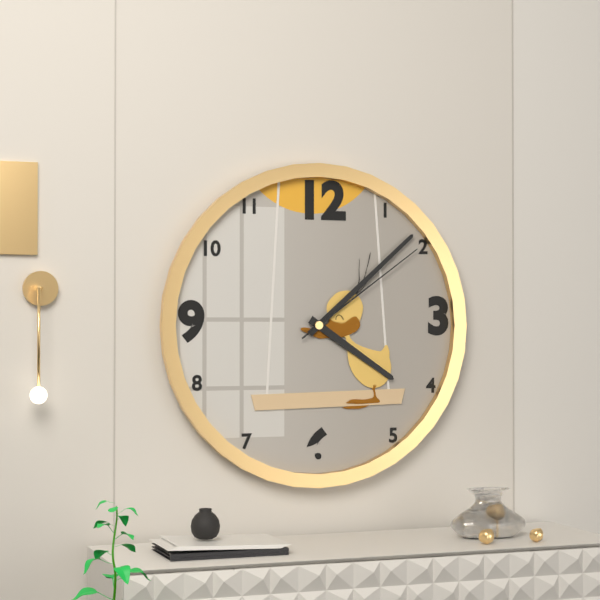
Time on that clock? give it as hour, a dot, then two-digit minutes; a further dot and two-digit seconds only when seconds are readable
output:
4.08.09
